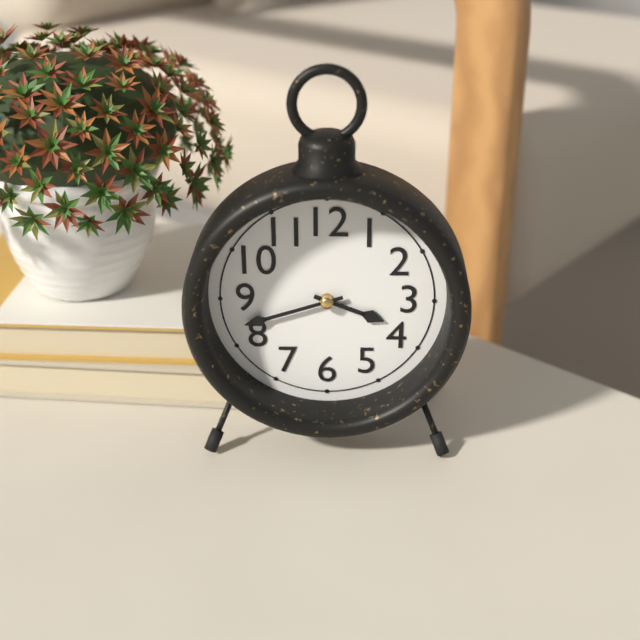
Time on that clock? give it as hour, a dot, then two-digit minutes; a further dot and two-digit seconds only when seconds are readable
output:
3.42
